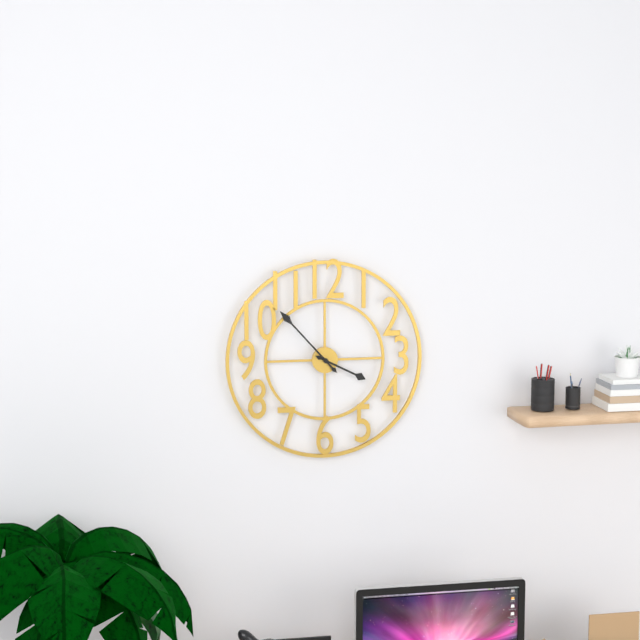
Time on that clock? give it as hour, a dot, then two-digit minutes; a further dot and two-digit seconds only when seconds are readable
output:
3.53
